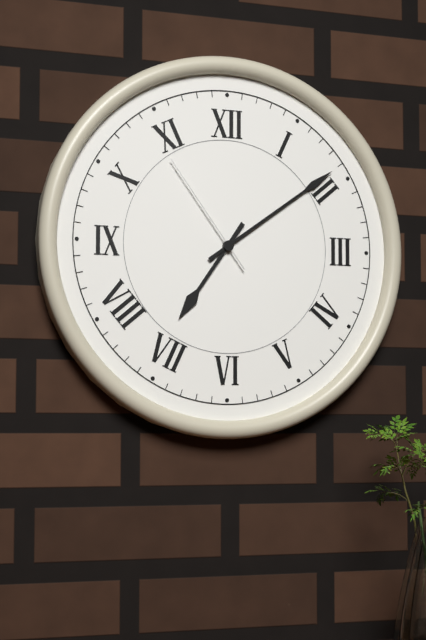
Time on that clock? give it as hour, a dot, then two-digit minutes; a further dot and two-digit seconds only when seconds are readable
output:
7.09.54
